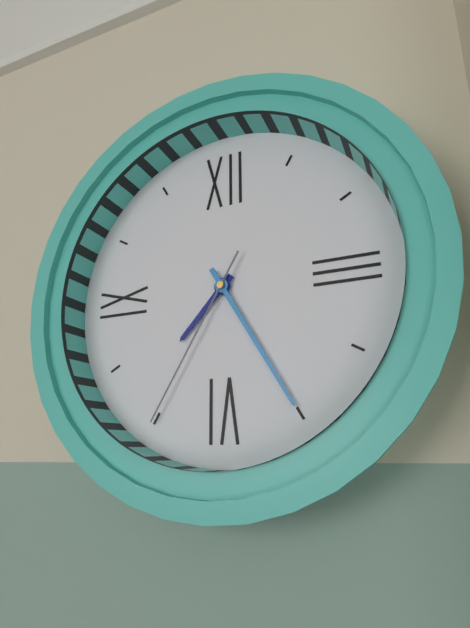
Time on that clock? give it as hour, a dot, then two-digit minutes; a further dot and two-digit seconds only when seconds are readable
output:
7.25.35
